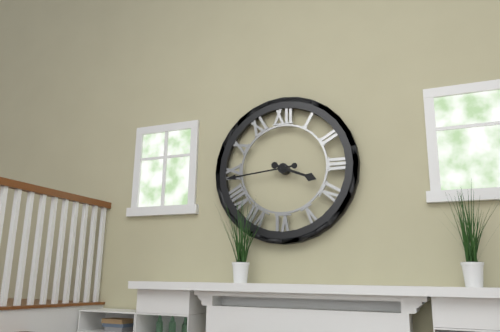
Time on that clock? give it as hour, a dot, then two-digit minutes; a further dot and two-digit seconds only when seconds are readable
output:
3.44
